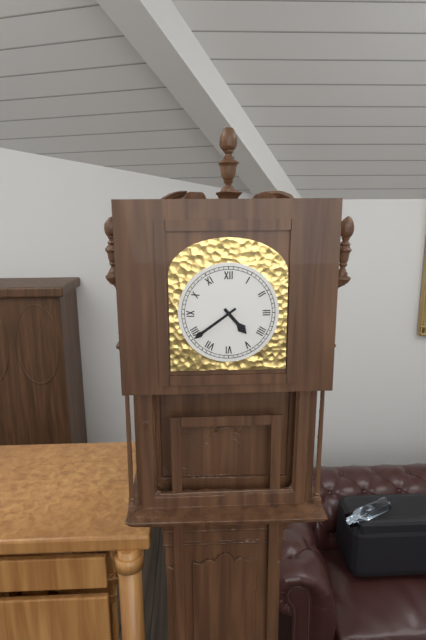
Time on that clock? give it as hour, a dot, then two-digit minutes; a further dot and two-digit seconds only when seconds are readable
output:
4.39
